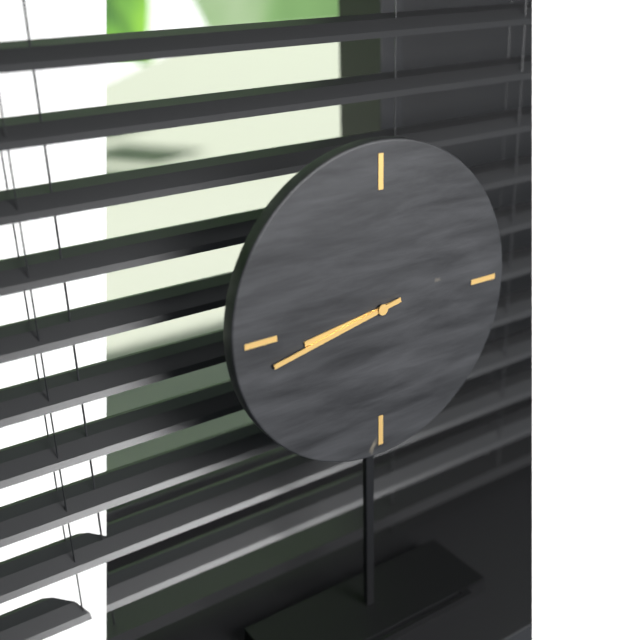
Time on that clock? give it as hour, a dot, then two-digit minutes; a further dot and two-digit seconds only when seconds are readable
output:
8.43
